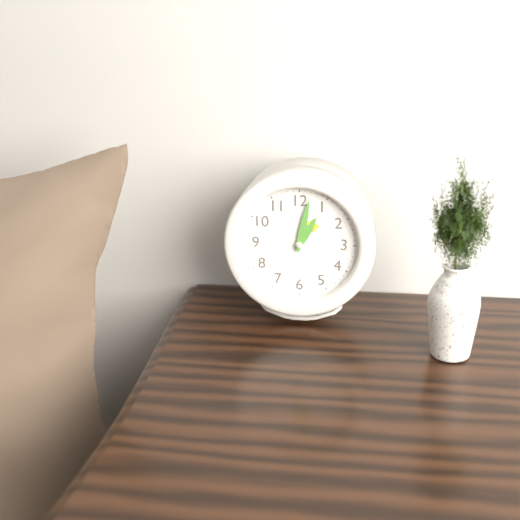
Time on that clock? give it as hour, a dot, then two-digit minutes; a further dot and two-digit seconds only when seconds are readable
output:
1.02
